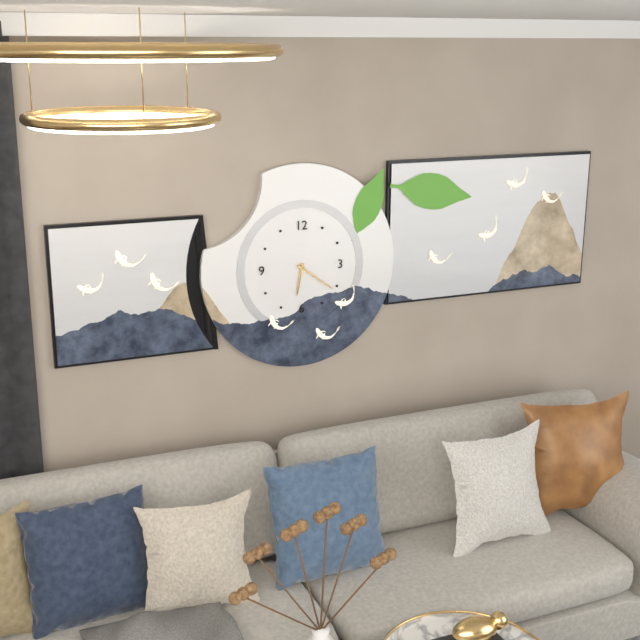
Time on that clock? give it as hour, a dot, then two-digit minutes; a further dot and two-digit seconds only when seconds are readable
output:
6.21
